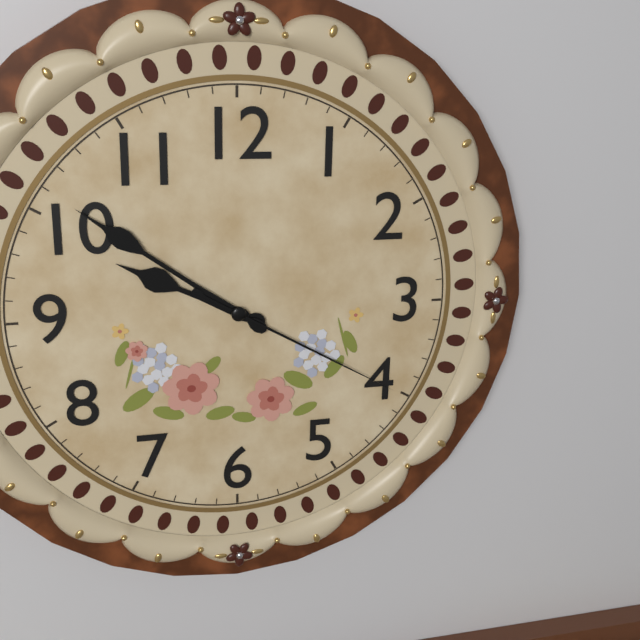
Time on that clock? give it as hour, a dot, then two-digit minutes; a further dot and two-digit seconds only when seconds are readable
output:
9.51.20
